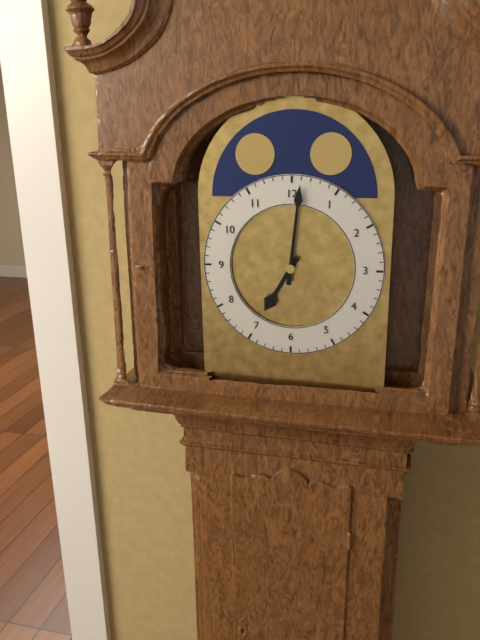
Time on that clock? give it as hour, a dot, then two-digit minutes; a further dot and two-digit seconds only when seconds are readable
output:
7.01
